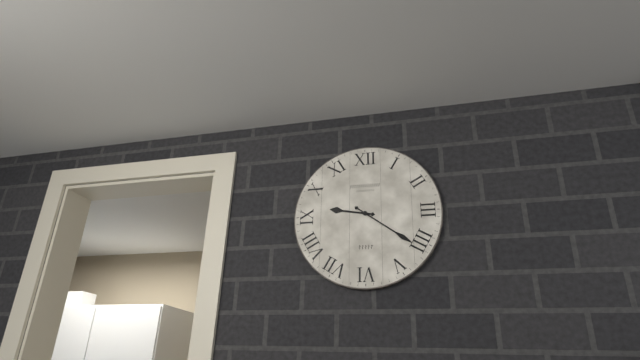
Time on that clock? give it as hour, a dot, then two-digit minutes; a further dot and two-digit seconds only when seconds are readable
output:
9.21
